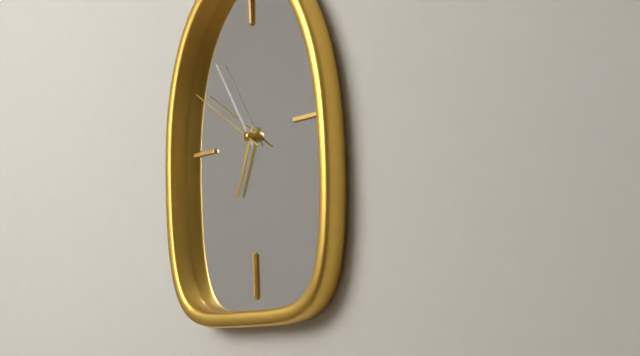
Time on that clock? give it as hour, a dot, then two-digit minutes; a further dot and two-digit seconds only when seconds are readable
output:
6.54.50
